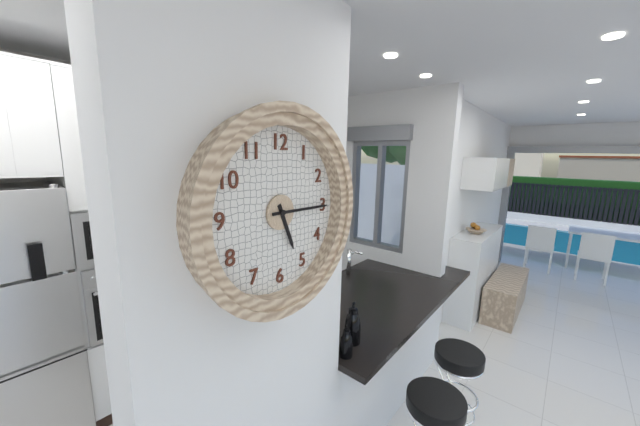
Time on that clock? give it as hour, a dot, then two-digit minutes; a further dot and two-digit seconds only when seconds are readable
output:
5.15
